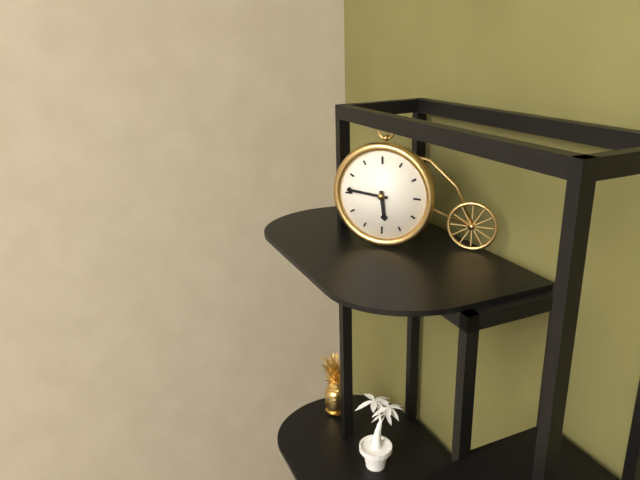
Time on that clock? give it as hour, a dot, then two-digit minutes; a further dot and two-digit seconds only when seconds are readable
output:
5.46
